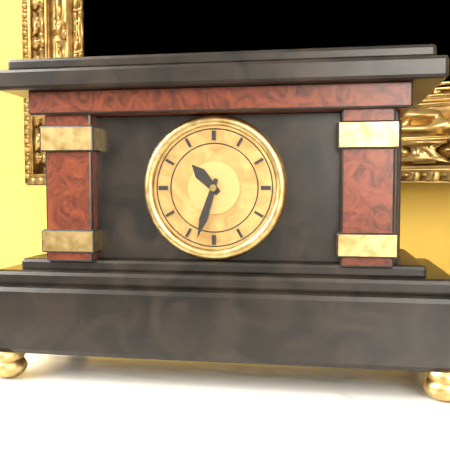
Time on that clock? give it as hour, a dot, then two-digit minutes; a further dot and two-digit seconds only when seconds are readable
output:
10.33
